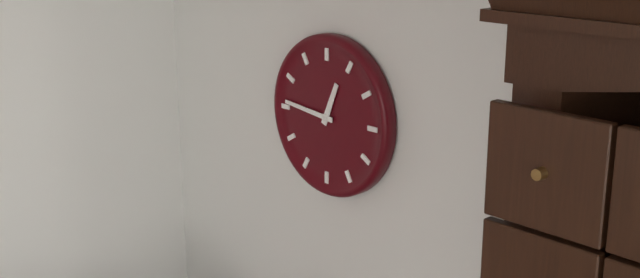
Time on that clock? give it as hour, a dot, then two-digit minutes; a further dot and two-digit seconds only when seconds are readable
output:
12.46
